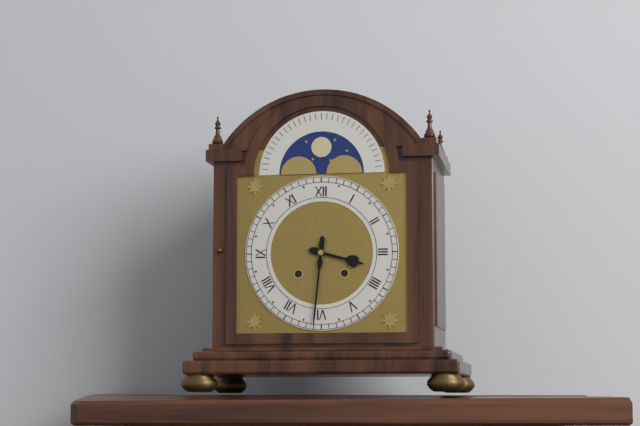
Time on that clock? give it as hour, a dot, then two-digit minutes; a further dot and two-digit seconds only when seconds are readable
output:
3.31
